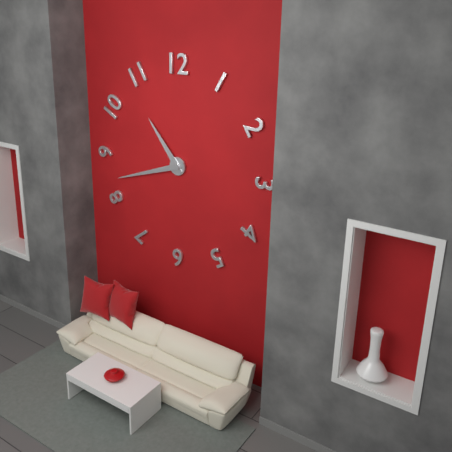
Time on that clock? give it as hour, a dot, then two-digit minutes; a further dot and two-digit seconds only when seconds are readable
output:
10.42
